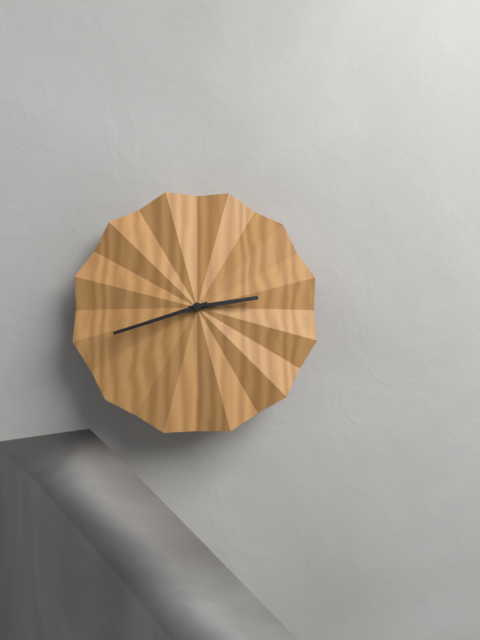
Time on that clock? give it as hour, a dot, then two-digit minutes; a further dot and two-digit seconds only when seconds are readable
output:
2.42
